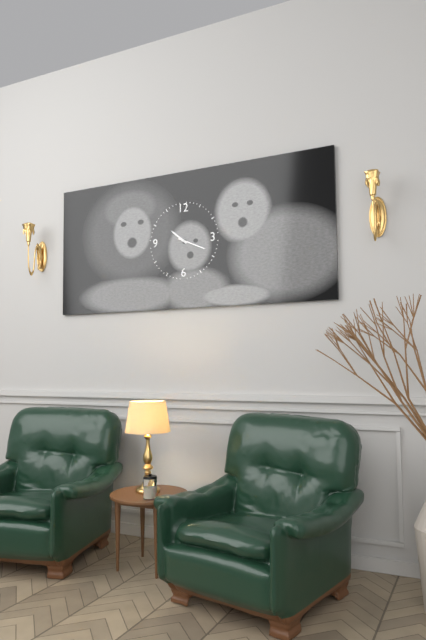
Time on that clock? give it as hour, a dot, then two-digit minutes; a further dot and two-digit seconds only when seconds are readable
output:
10.19
